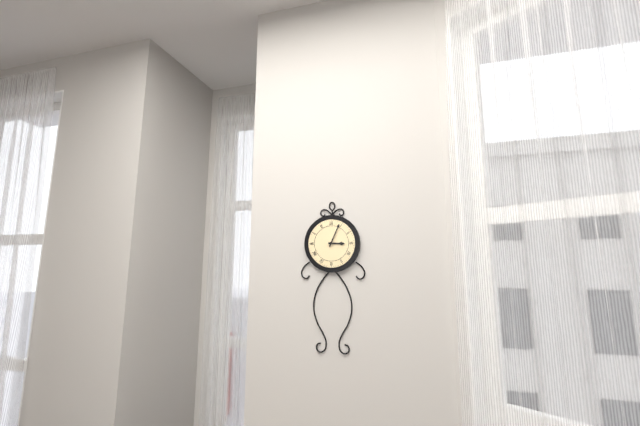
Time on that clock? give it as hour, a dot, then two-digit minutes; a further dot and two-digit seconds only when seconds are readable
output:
3.04
